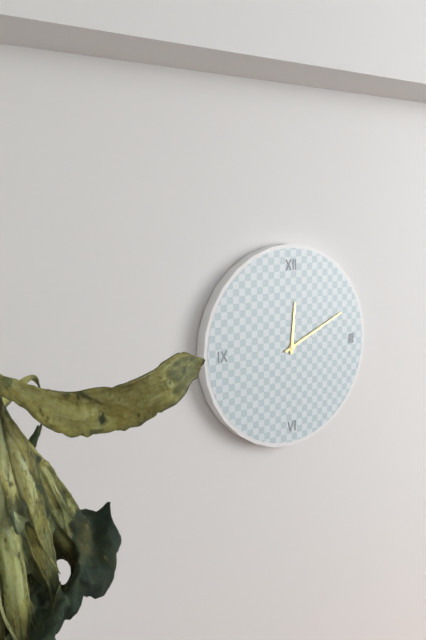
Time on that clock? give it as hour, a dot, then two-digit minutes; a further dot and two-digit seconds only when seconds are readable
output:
12.11
